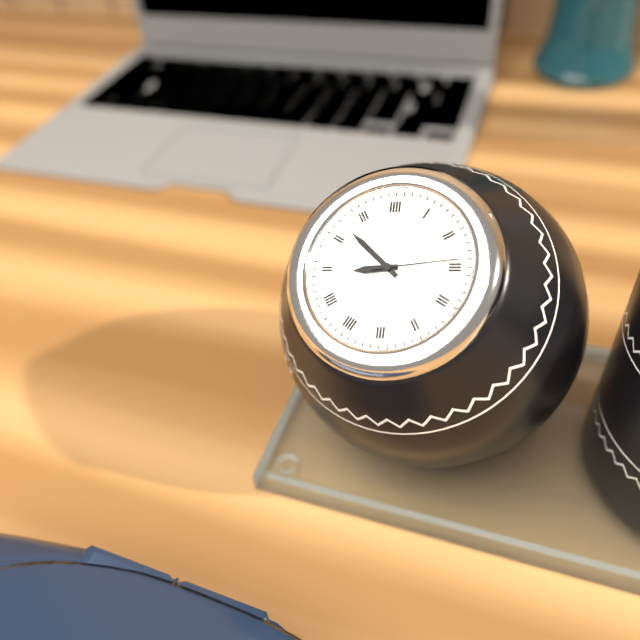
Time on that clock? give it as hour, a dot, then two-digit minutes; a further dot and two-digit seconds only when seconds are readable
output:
8.52.14
